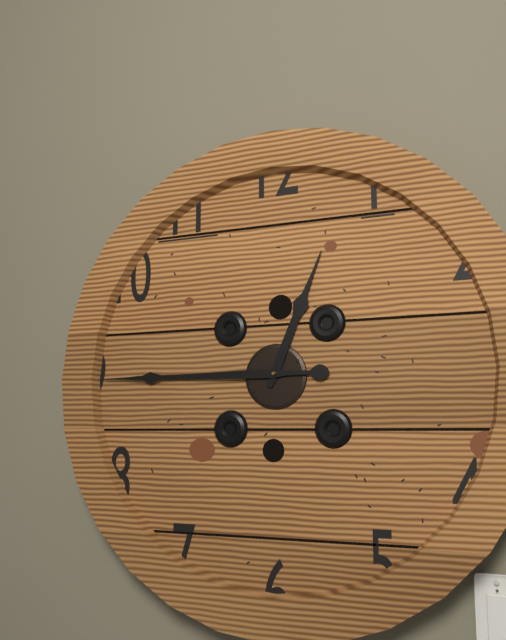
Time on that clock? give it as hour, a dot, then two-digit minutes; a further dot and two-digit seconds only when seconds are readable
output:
12.45
